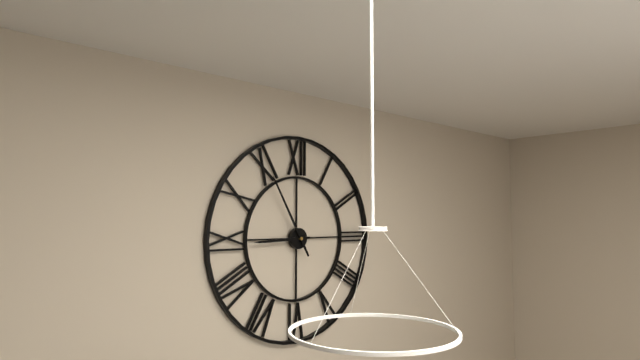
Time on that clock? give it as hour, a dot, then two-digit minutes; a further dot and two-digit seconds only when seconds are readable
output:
8.55
